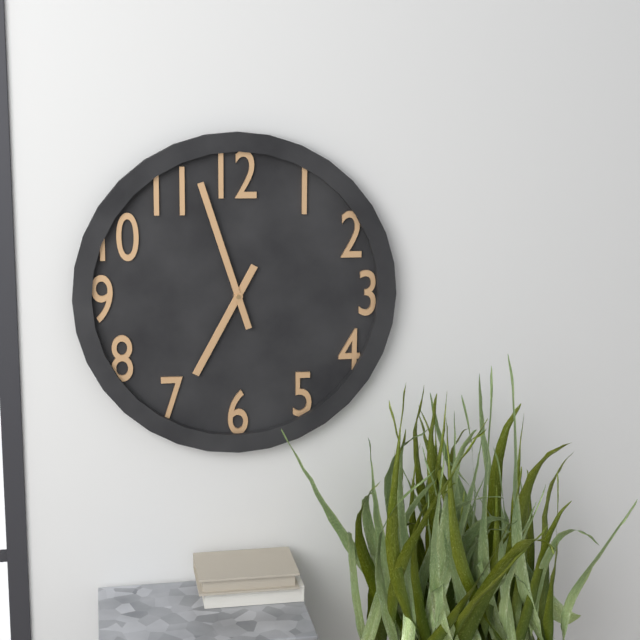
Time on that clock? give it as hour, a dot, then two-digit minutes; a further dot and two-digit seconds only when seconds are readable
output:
6.57
